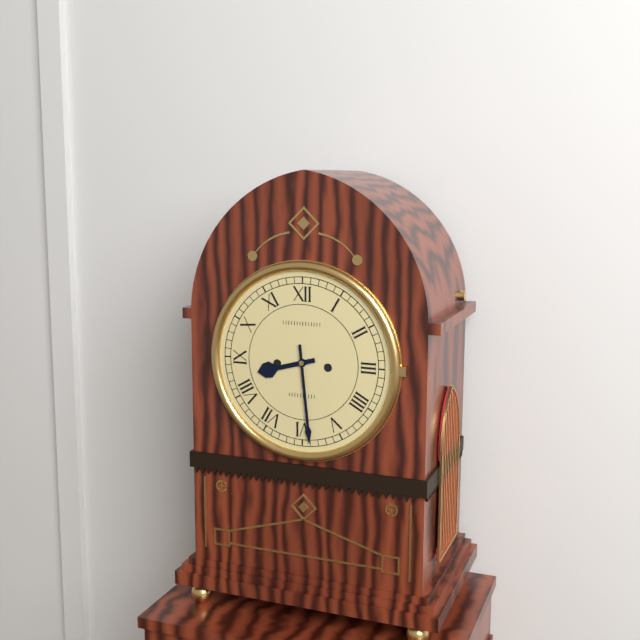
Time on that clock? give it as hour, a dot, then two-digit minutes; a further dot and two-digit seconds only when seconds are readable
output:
8.29
